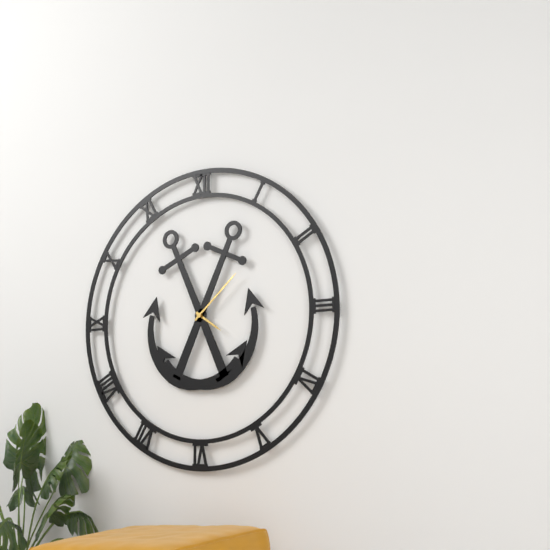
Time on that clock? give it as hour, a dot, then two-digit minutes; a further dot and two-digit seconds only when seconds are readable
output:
4.08
